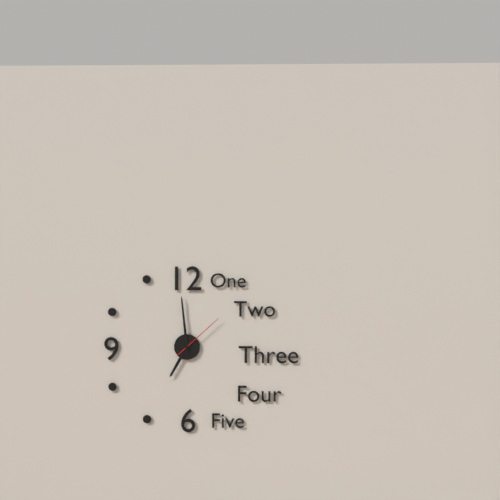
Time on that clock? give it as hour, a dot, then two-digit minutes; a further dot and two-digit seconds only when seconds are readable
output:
6.59.08
